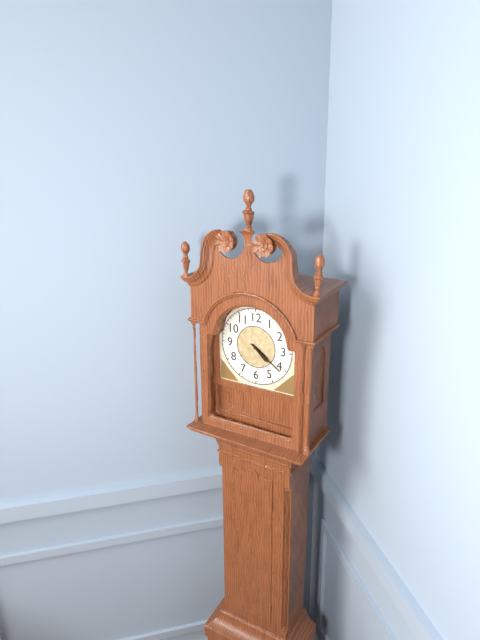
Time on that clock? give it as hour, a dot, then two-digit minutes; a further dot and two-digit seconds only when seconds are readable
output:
4.21
